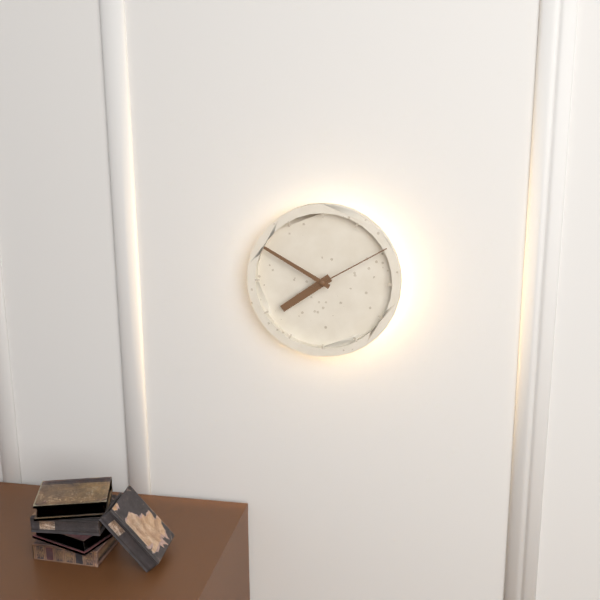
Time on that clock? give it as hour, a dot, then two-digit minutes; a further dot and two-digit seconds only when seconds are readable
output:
7.50.10
